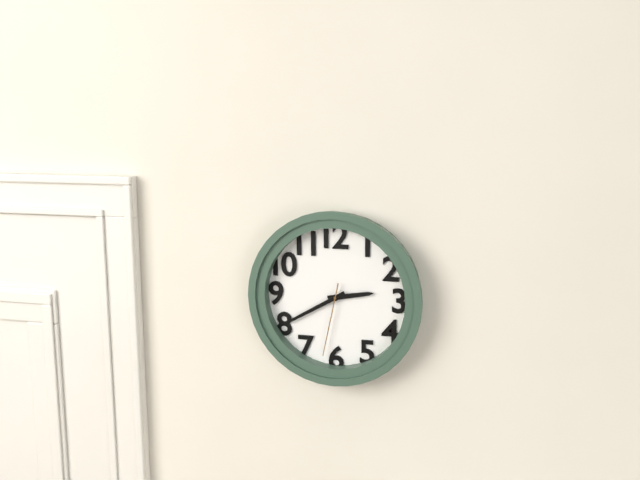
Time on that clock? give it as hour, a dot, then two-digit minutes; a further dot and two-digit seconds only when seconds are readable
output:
2.40.32
